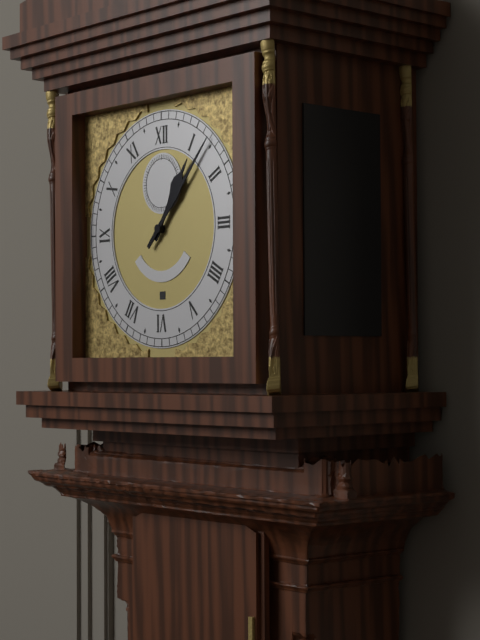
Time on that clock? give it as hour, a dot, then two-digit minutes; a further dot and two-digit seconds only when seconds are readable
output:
1.07
